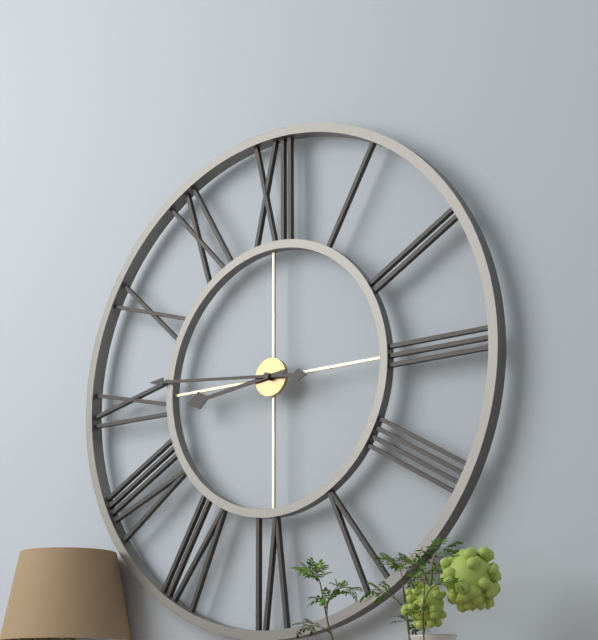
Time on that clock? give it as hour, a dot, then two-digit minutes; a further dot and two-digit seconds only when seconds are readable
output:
8.46
